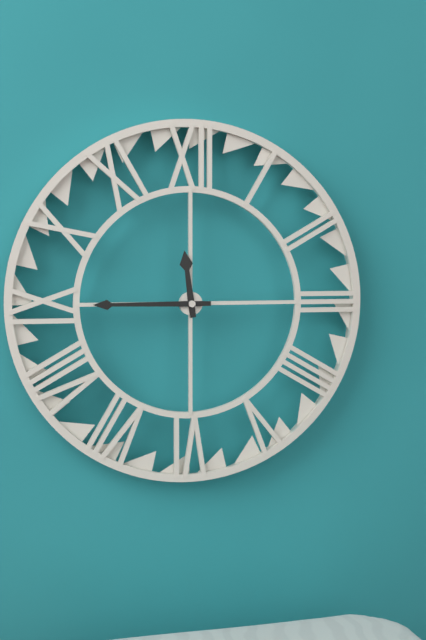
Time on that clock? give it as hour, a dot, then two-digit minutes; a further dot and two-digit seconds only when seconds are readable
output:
11.45
